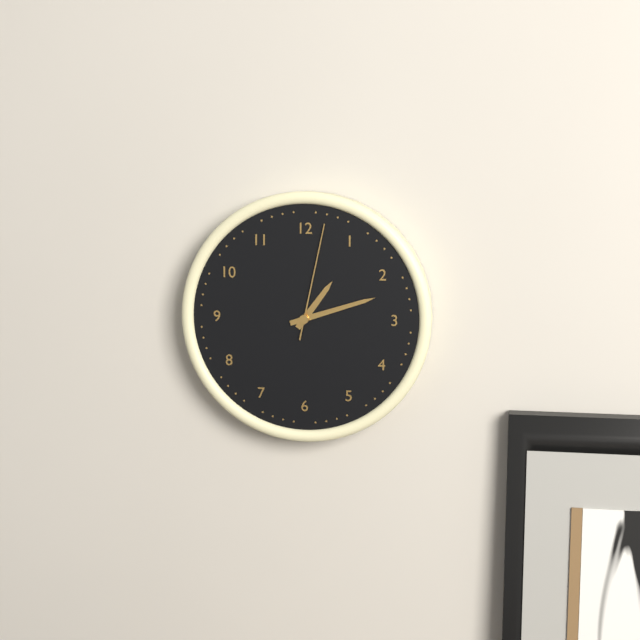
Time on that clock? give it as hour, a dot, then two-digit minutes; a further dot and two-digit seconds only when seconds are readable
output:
1.12.02
